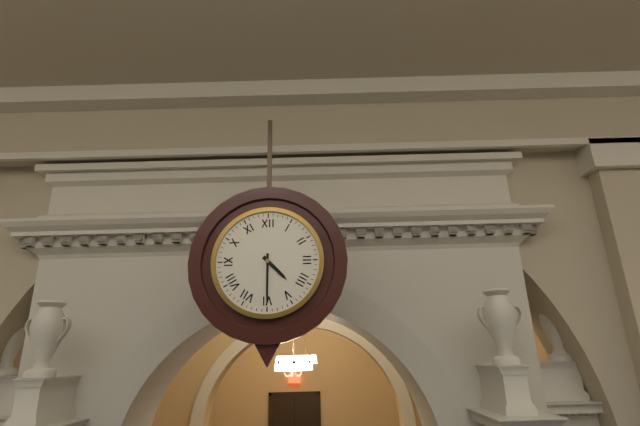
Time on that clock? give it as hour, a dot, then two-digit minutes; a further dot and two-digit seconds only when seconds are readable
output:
4.30
